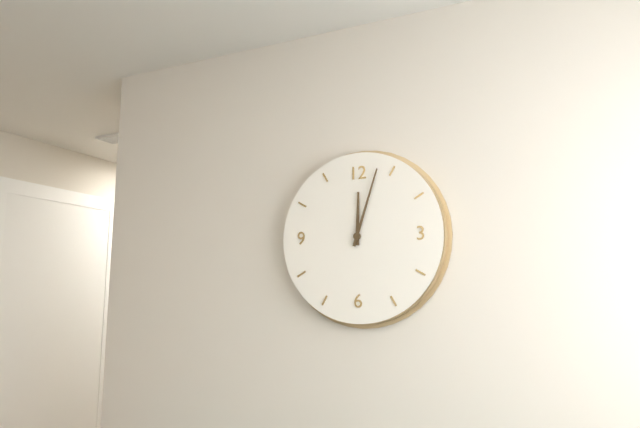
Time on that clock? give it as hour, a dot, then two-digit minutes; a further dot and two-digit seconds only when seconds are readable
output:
12.03
